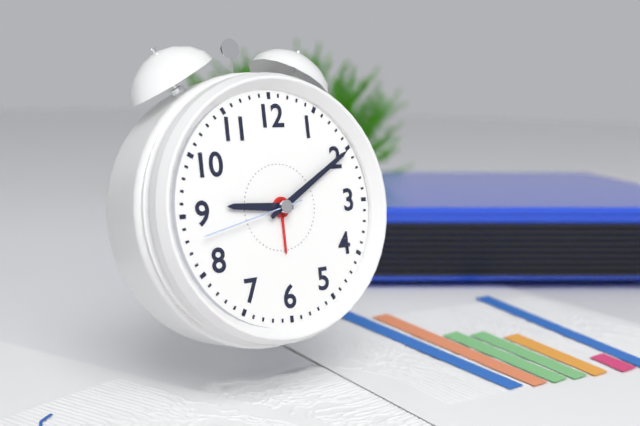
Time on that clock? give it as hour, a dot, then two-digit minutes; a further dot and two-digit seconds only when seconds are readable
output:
9.10.43
